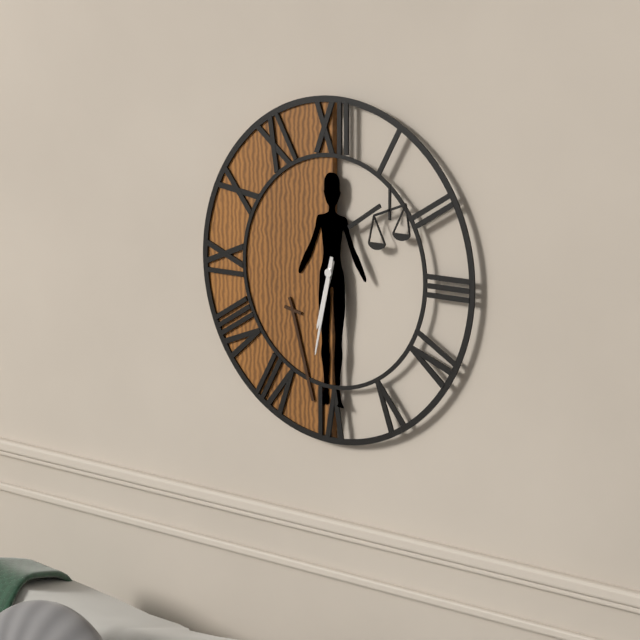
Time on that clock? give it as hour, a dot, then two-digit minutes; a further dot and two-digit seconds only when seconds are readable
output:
6.32
